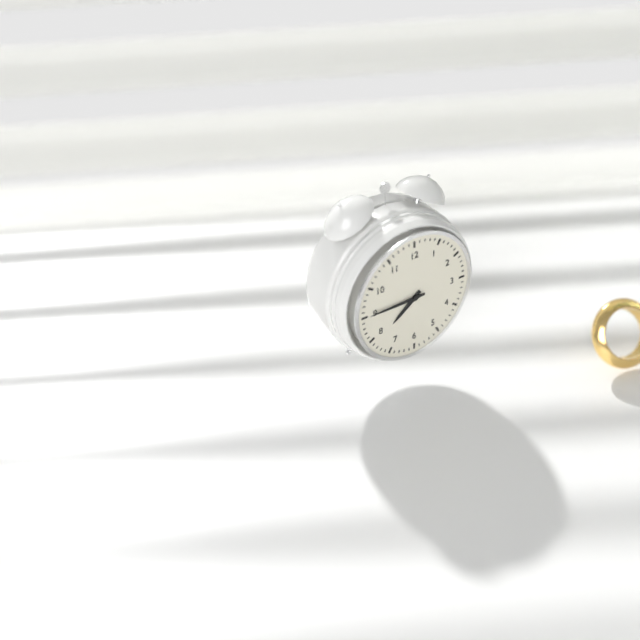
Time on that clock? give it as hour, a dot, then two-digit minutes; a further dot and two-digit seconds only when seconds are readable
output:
7.45
